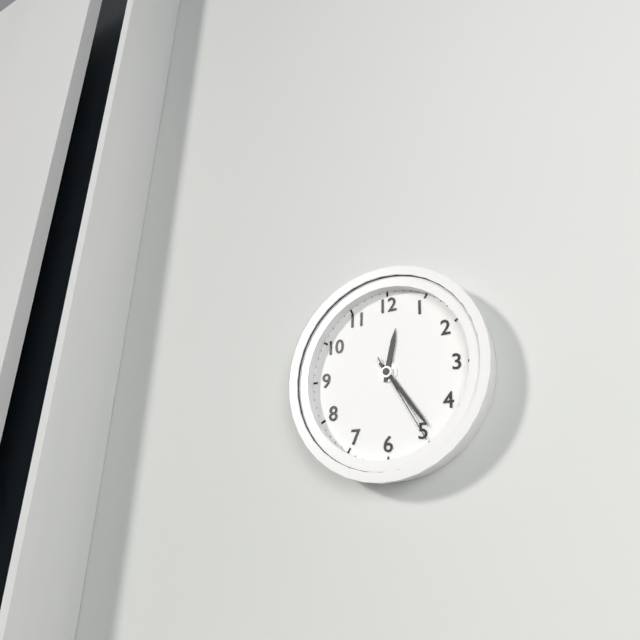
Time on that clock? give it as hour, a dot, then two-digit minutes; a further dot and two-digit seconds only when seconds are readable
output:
12.24.25
